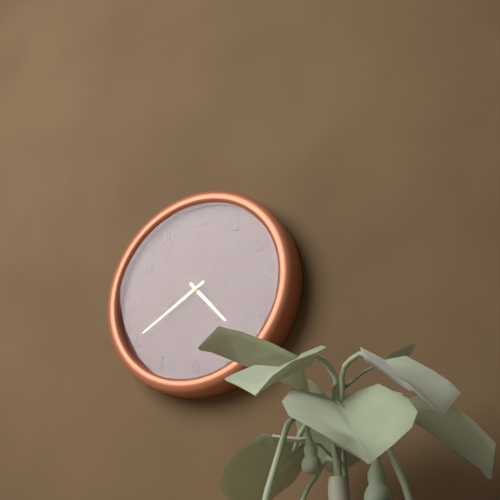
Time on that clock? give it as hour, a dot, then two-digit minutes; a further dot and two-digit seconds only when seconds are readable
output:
4.40
